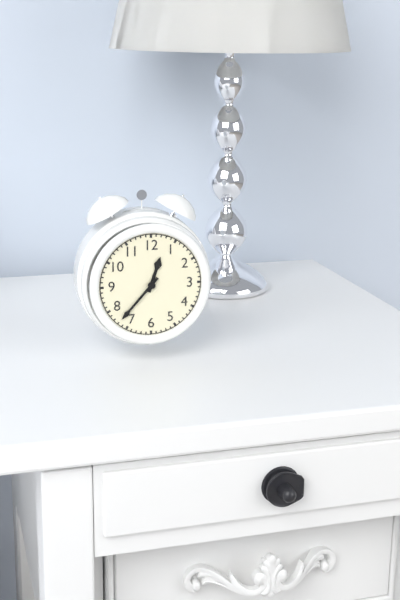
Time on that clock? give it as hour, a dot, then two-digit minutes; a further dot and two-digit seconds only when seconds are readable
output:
12.37
